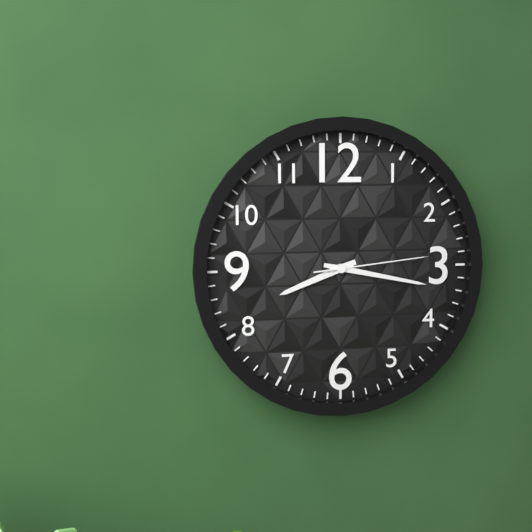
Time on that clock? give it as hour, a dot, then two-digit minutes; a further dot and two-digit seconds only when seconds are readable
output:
8.17.14
